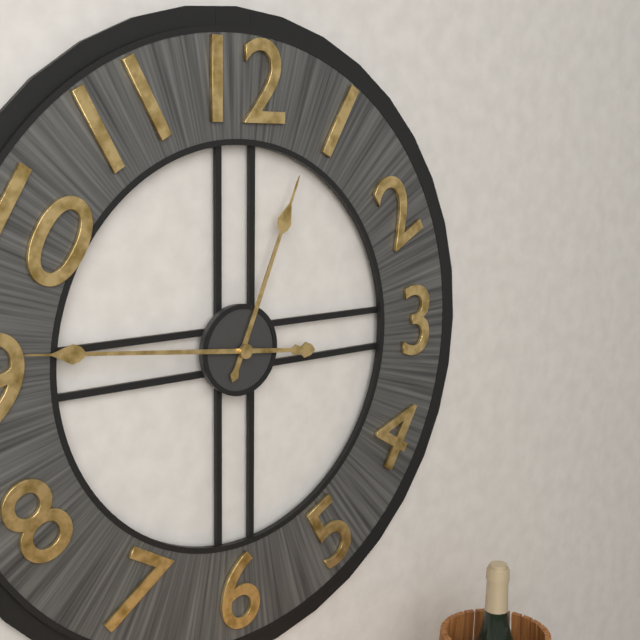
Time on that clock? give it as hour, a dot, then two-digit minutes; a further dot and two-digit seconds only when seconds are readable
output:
12.46
